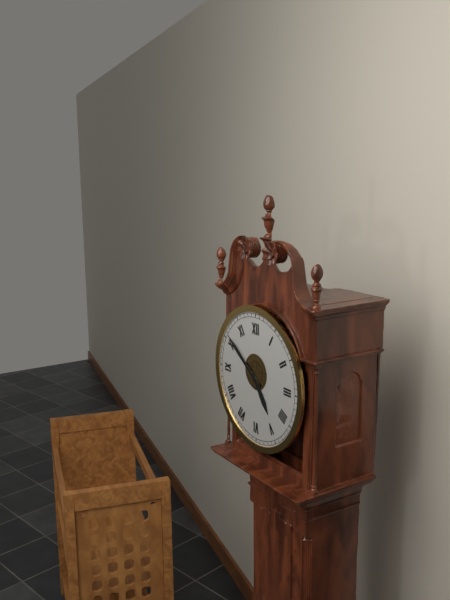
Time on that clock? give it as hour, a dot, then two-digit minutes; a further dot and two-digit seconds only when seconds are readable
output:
4.51
